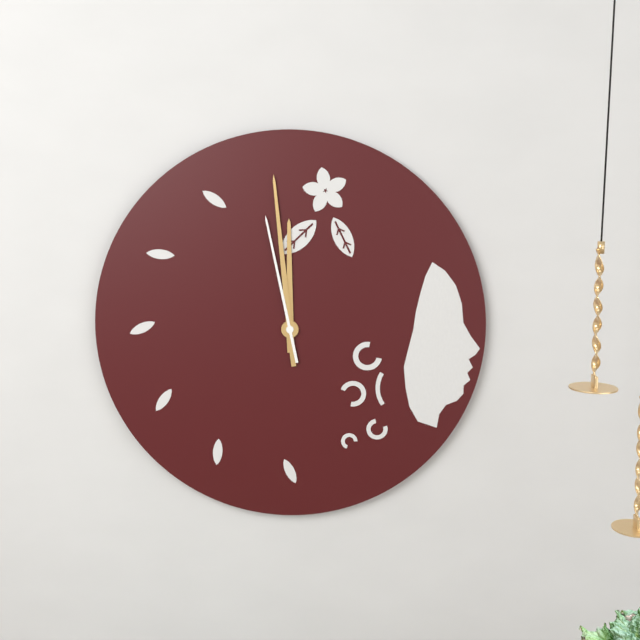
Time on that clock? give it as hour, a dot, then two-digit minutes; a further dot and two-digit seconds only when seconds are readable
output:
11.59.58
